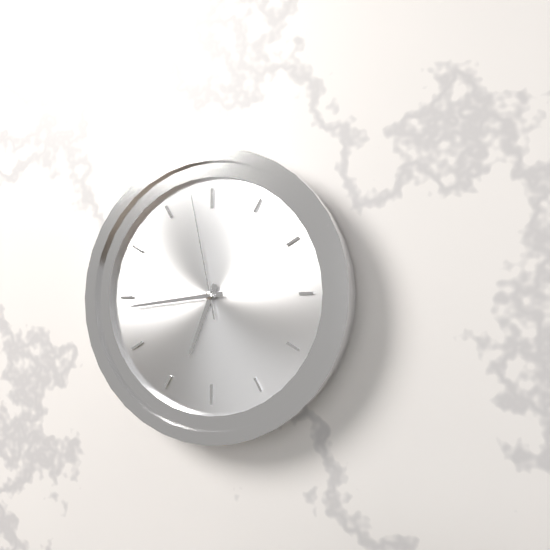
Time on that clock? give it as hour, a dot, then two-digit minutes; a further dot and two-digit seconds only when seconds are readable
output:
6.44.58
